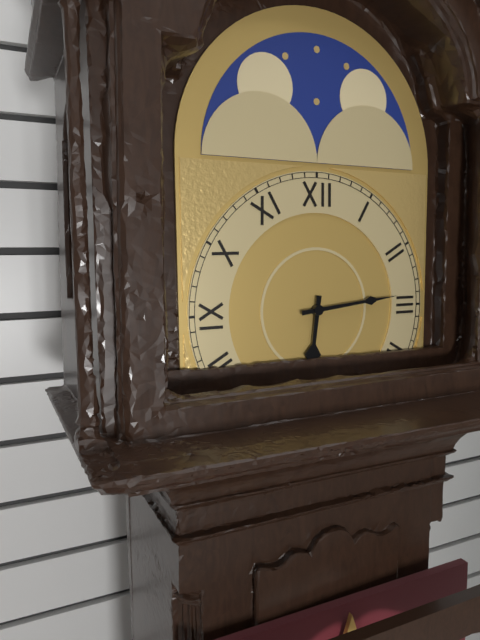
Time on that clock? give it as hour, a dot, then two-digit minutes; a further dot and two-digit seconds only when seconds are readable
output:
6.14
